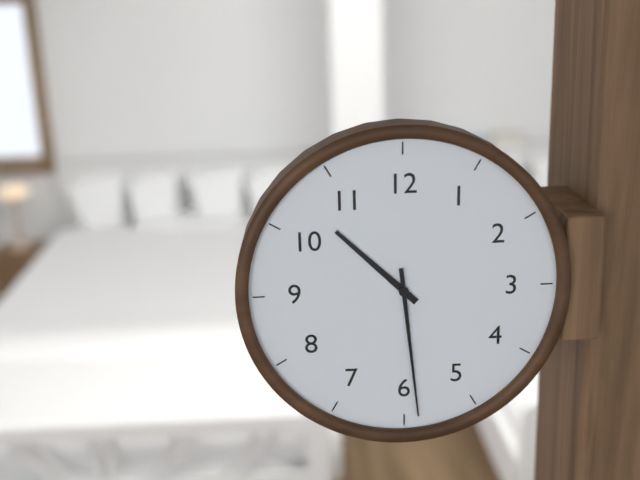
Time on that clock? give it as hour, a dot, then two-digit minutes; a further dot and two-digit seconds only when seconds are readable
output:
10.29
